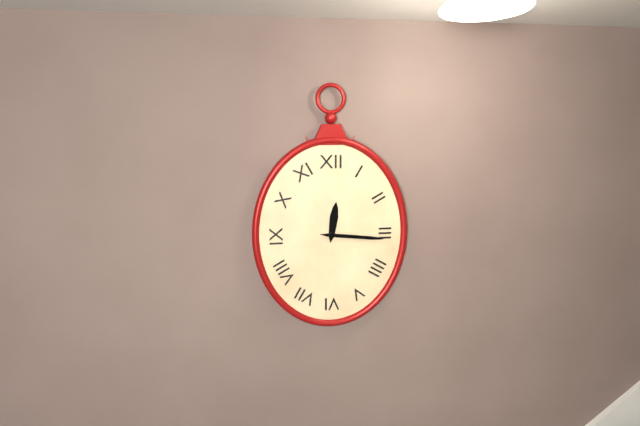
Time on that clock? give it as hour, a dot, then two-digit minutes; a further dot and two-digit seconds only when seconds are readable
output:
12.16
